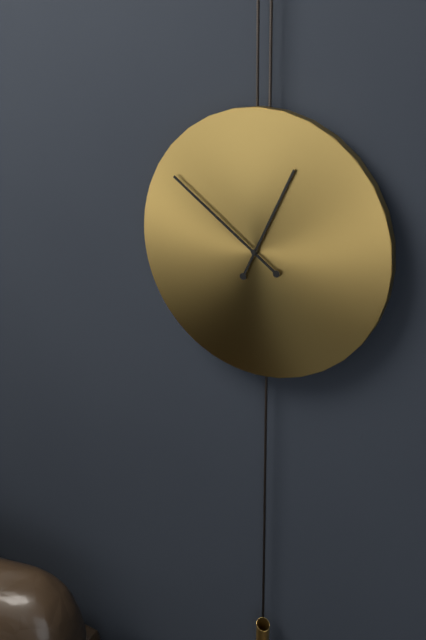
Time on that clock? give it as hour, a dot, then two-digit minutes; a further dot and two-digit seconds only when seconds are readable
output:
12.51
